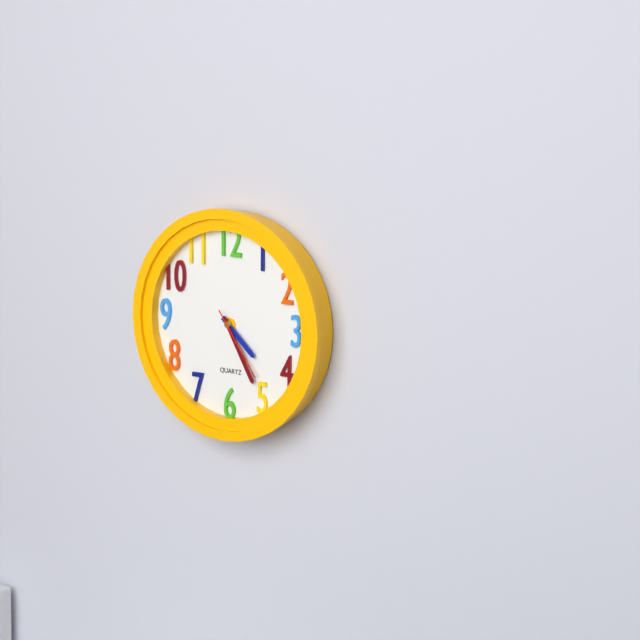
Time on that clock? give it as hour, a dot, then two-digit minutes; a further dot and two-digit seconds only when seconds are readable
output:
4.25.24
